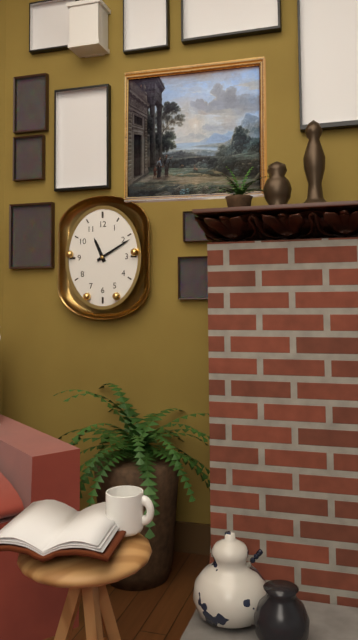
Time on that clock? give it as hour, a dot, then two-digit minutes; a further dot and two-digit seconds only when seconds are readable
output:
11.10
